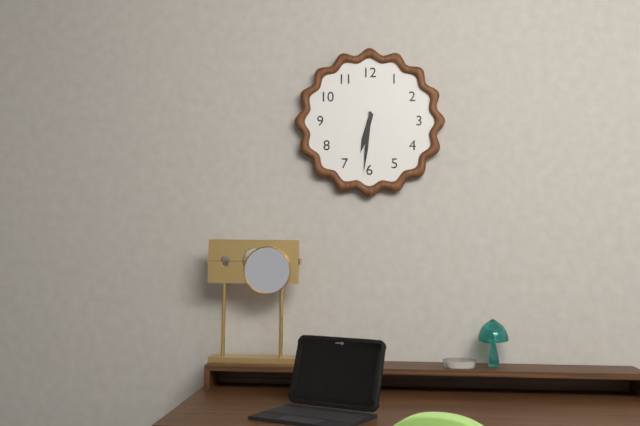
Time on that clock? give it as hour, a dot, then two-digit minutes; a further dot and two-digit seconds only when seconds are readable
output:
6.31
